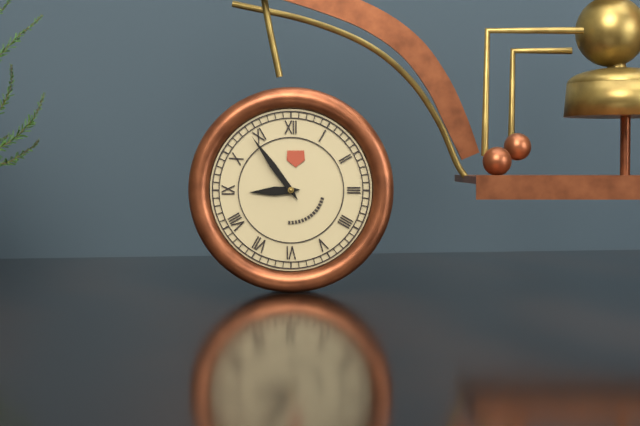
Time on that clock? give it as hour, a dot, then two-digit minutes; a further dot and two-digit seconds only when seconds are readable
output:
8.54
